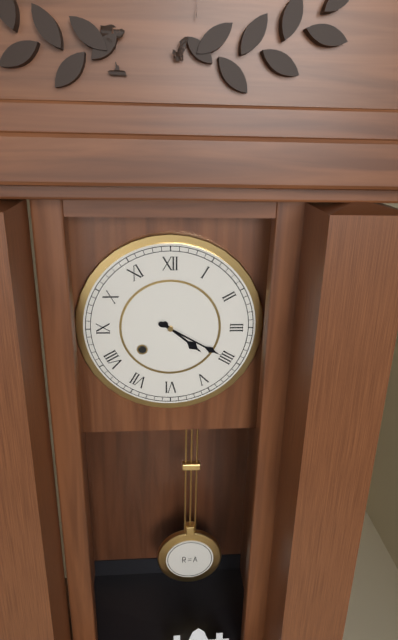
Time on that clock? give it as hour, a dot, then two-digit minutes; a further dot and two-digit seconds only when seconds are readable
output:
4.20
